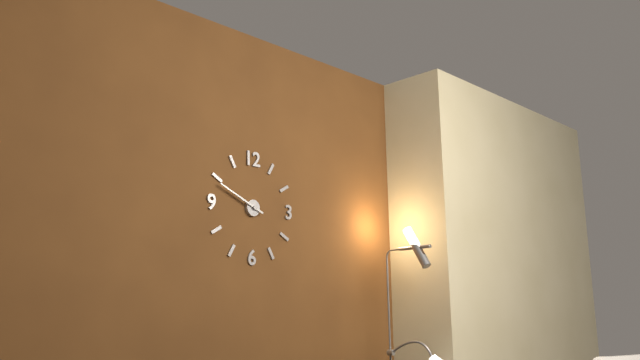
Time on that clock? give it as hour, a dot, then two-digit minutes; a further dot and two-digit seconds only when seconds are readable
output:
9.49
